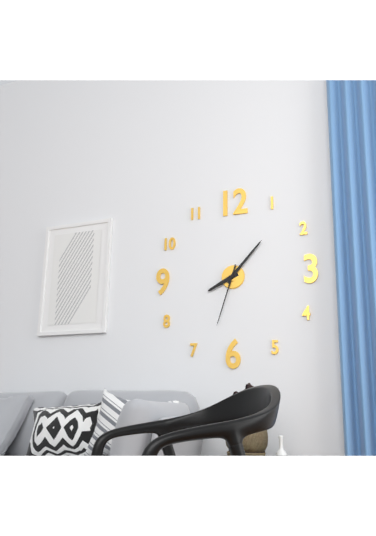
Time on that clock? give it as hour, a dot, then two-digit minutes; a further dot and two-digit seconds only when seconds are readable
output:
8.07.33
